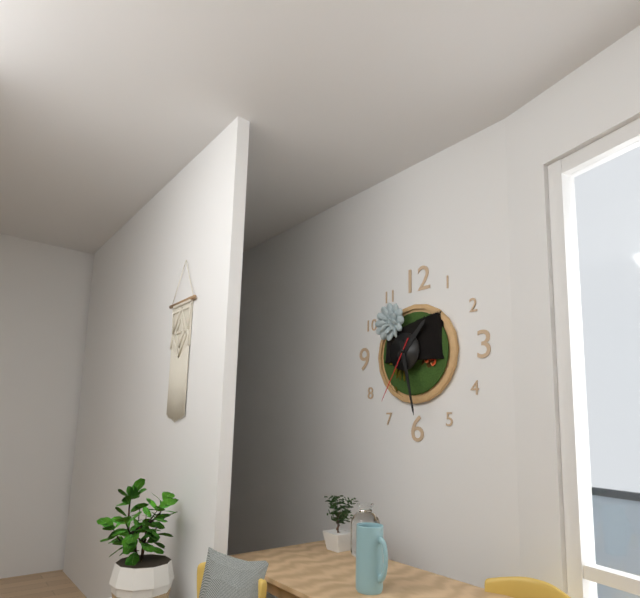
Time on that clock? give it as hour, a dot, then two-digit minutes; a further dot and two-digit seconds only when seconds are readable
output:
1.28.35
